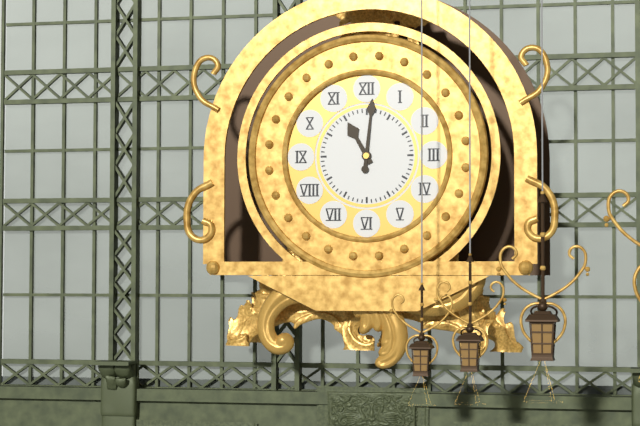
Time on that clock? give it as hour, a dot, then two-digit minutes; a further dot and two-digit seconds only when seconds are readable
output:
11.01
